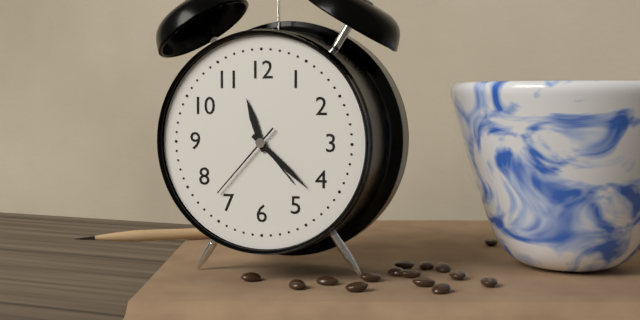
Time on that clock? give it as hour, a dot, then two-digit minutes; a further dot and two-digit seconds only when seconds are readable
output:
11.22.37
